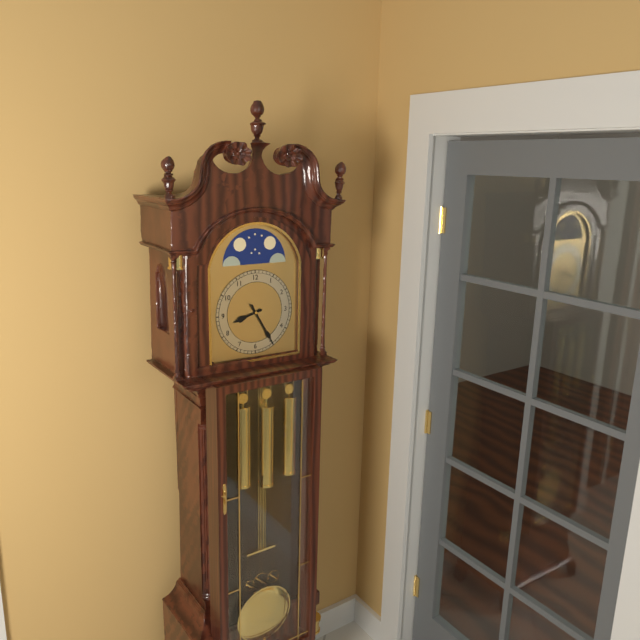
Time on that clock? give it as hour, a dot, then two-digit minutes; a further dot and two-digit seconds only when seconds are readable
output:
8.25
